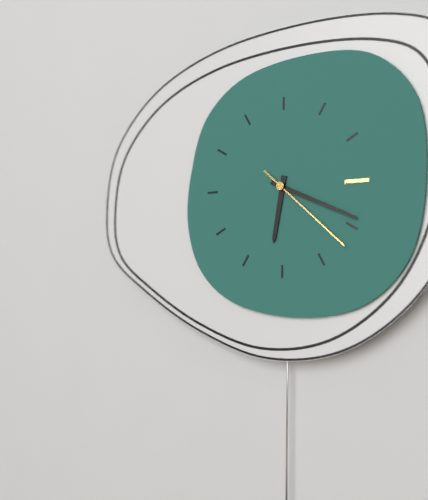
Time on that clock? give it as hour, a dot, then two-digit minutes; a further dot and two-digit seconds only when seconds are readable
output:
6.19.22
